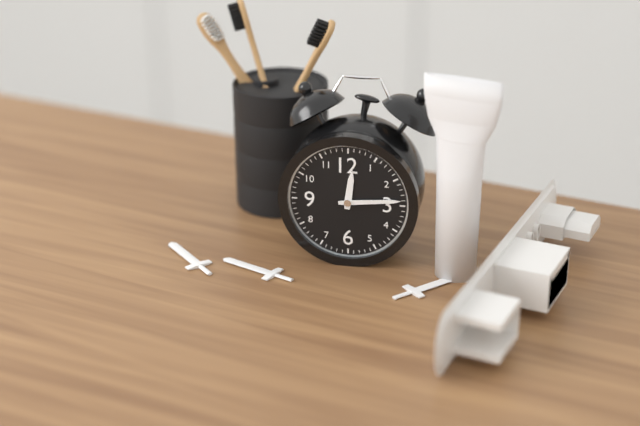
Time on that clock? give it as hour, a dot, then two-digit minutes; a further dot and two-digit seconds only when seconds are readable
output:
12.14
